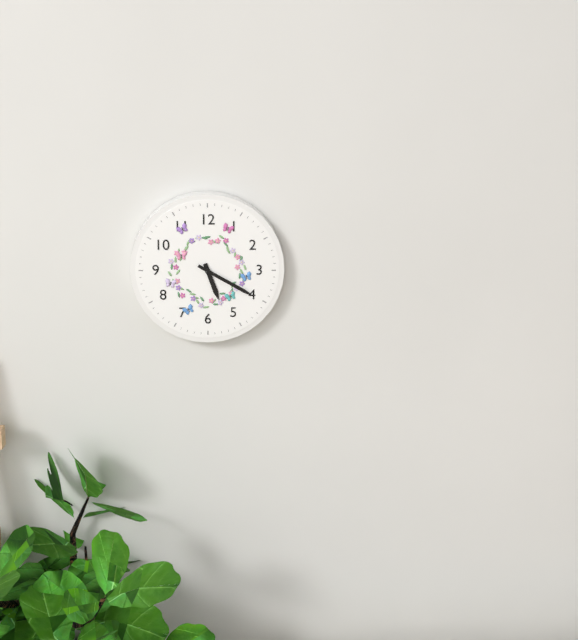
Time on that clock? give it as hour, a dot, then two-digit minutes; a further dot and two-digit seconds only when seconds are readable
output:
5.20
